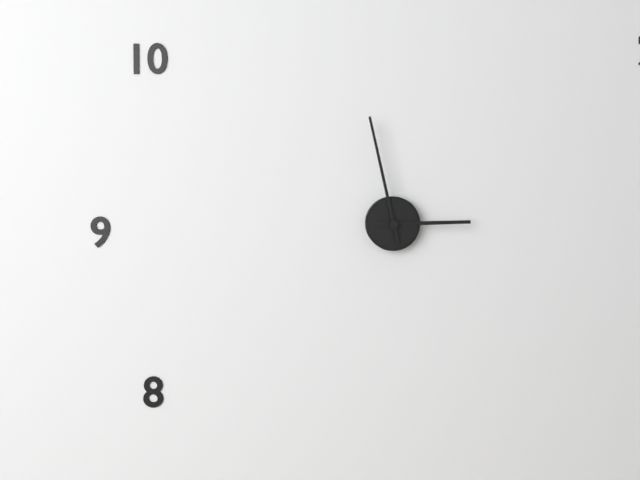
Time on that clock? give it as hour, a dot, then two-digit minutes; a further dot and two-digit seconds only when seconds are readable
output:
2.58
